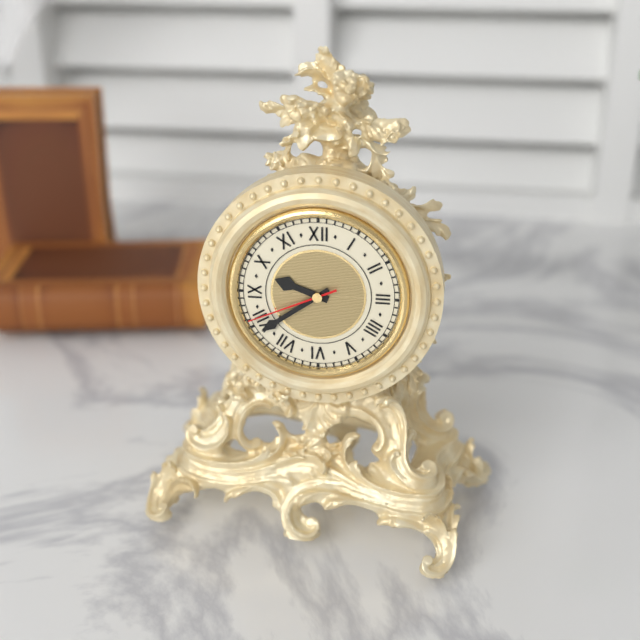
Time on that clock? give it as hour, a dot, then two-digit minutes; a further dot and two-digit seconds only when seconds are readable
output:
9.39.41
